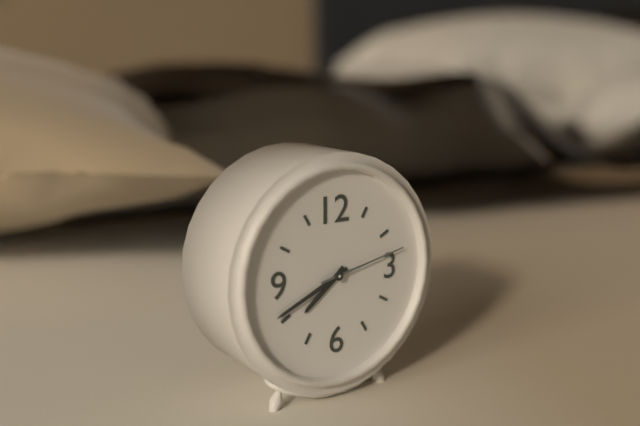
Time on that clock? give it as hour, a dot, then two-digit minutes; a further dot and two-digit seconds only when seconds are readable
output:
7.41.13
